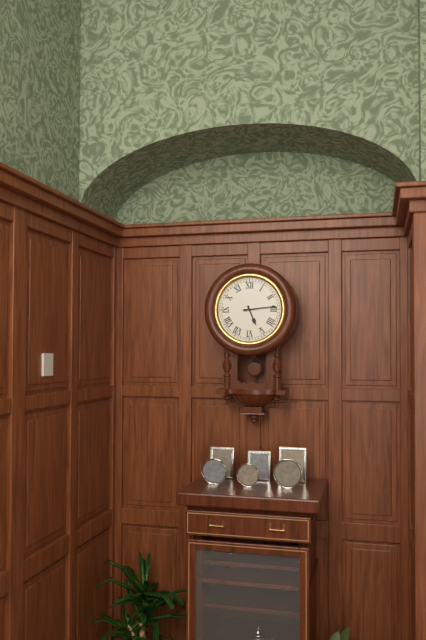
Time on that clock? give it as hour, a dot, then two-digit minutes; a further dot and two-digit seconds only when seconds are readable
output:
5.14
